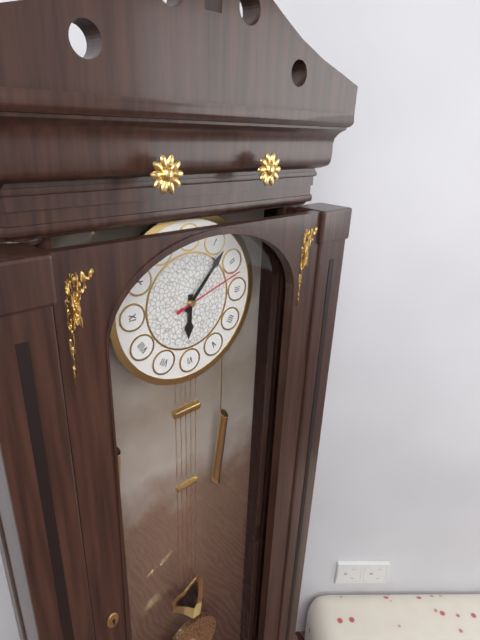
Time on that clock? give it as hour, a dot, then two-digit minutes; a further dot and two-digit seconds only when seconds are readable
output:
6.07.12
